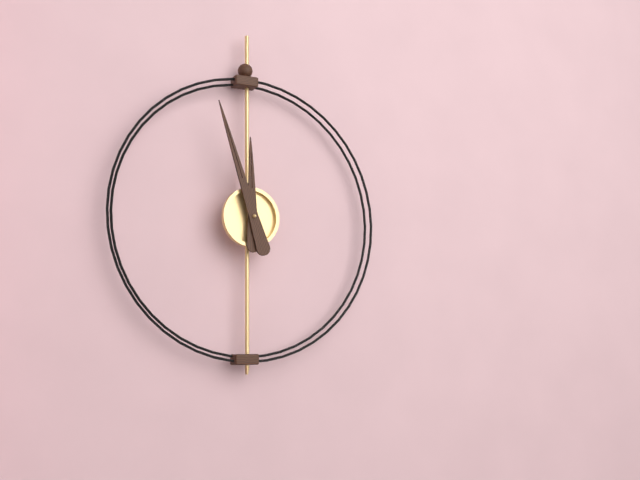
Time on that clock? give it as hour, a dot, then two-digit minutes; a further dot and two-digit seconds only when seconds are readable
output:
11.57
